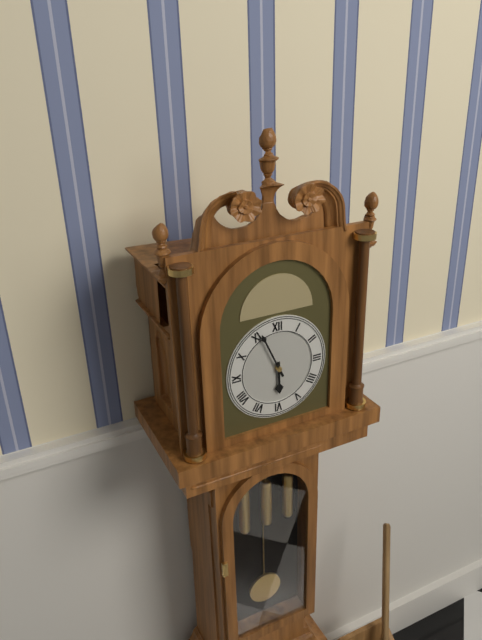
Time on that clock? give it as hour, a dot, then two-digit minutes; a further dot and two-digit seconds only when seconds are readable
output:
5.56
